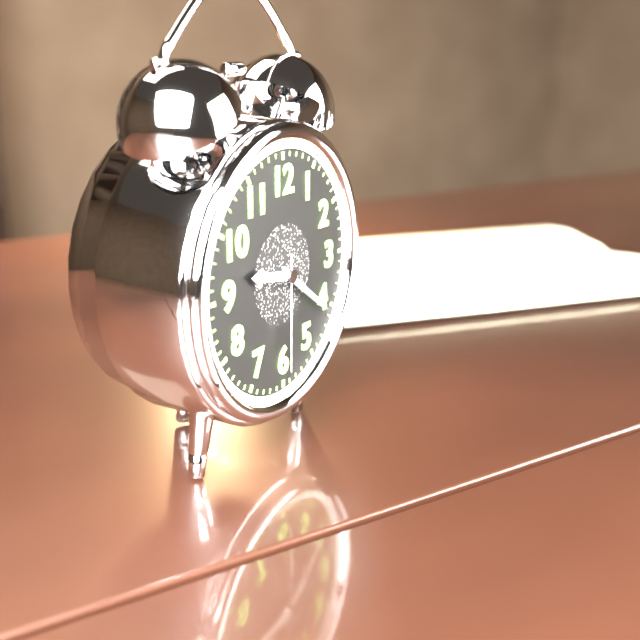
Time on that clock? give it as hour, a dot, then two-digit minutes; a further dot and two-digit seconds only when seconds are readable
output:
9.21.30
